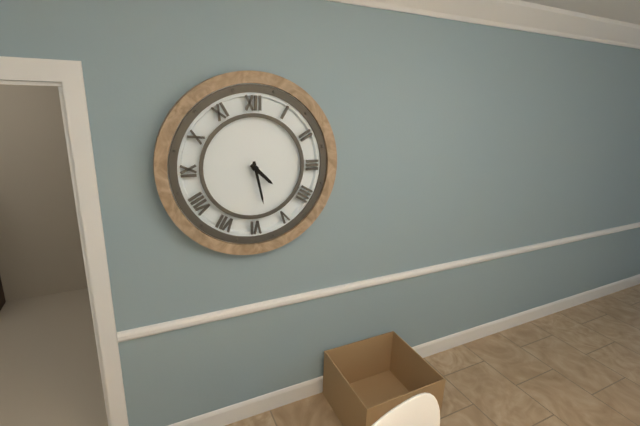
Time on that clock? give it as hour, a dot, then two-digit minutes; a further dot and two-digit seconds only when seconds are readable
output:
4.28
